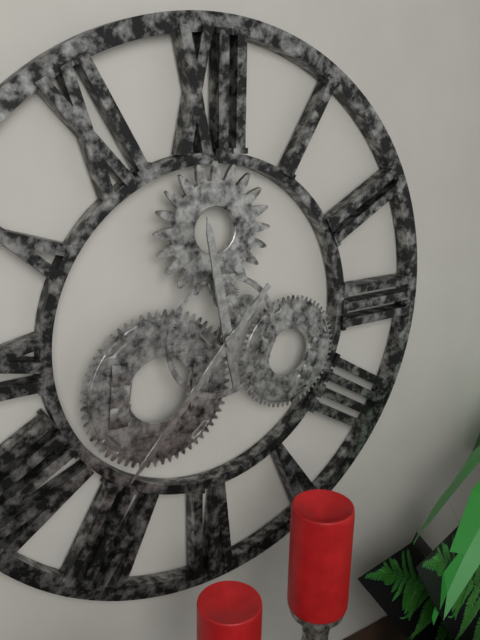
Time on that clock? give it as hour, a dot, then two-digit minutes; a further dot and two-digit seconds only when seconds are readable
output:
11.37
